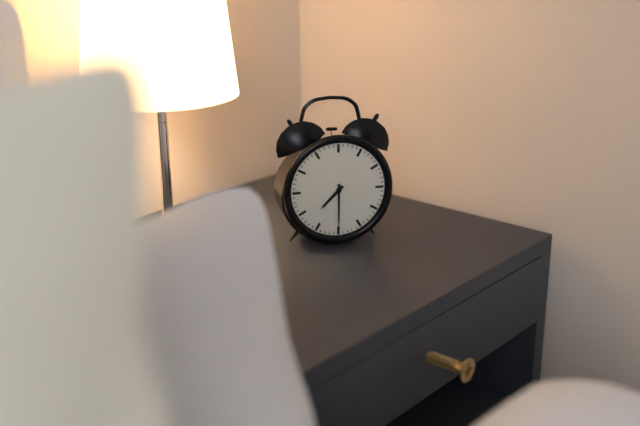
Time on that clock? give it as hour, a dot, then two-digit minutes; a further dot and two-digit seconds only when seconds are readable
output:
7.30
